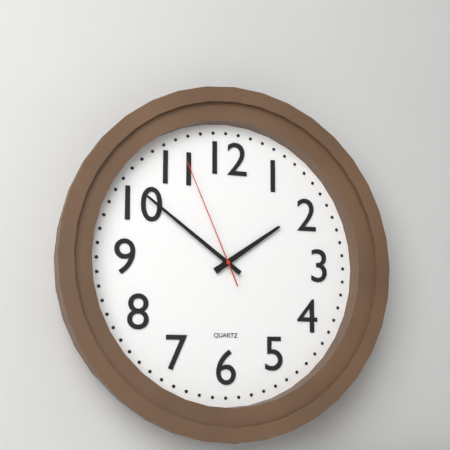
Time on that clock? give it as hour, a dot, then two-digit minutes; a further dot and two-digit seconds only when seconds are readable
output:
1.51.56
